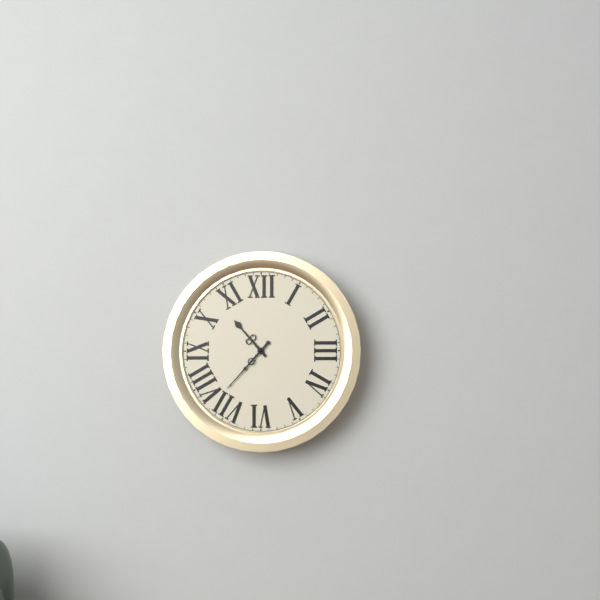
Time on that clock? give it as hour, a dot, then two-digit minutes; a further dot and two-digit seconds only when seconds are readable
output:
10.37
